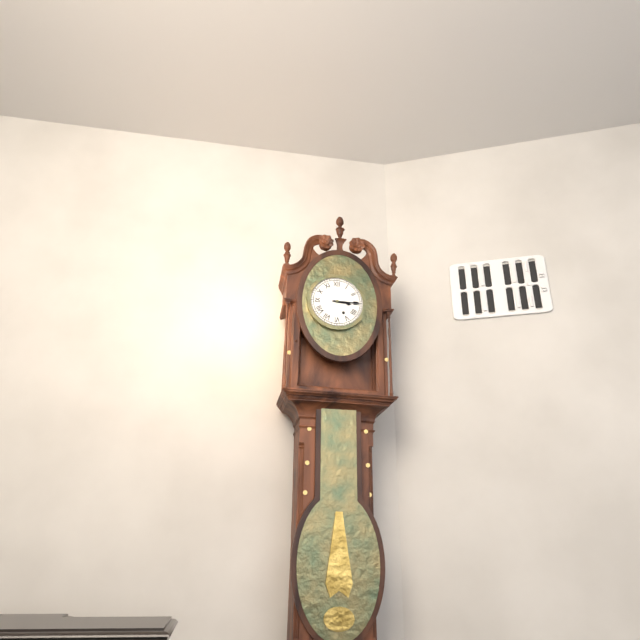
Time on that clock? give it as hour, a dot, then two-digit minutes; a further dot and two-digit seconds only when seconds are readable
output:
3.15
